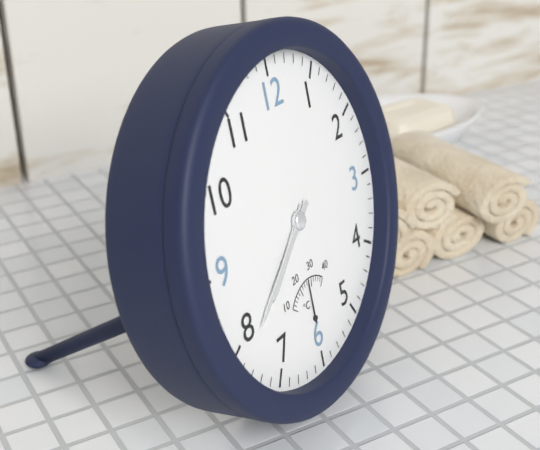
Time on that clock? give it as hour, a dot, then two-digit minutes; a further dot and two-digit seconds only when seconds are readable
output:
7.39
